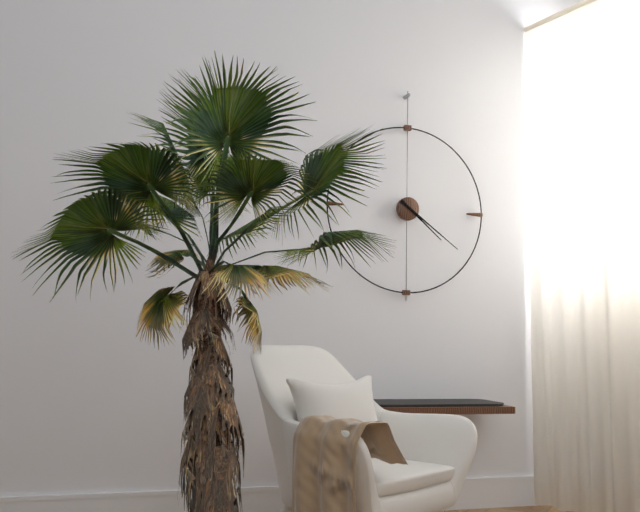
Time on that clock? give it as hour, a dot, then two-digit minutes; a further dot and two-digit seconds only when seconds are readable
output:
4.21
